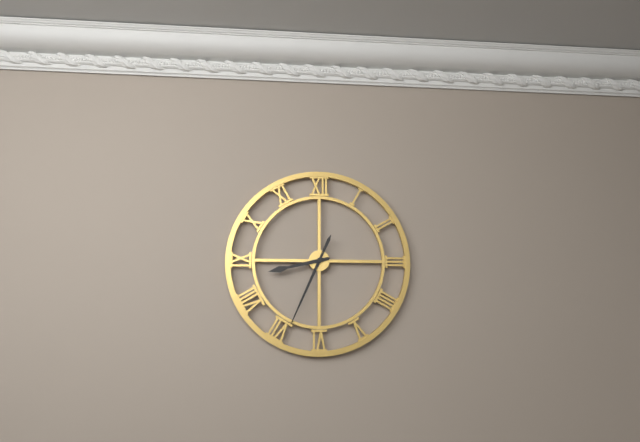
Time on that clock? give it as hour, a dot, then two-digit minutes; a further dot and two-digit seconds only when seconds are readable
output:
8.34
